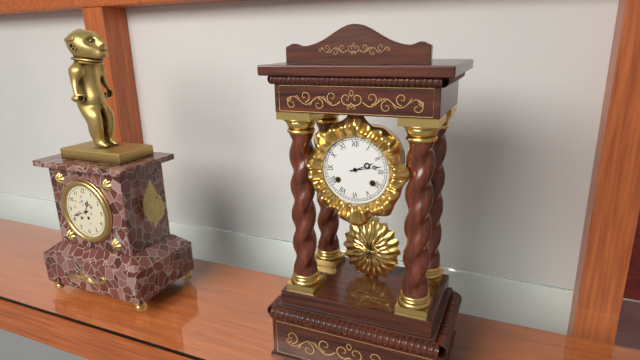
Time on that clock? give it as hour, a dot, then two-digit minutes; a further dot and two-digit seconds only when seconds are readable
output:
2.13
